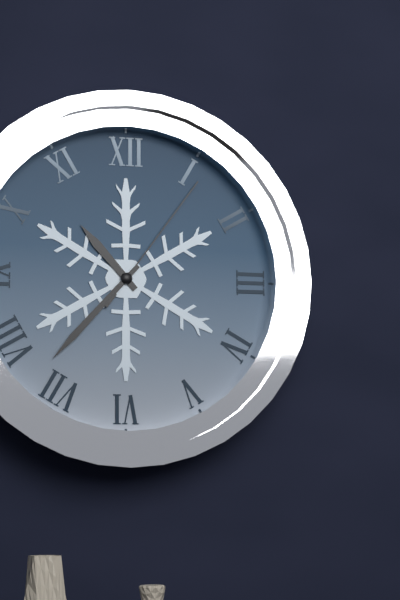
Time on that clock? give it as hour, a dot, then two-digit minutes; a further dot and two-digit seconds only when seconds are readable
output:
10.37.06
